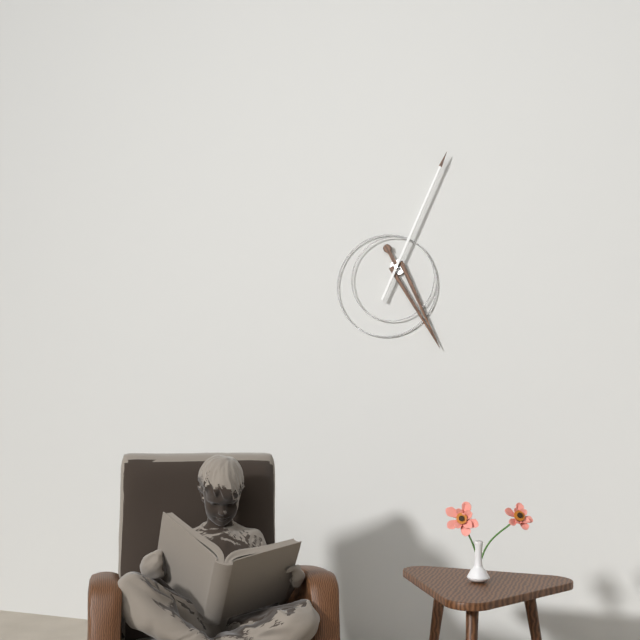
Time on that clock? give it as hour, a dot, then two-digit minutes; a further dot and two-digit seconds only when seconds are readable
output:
5.04
